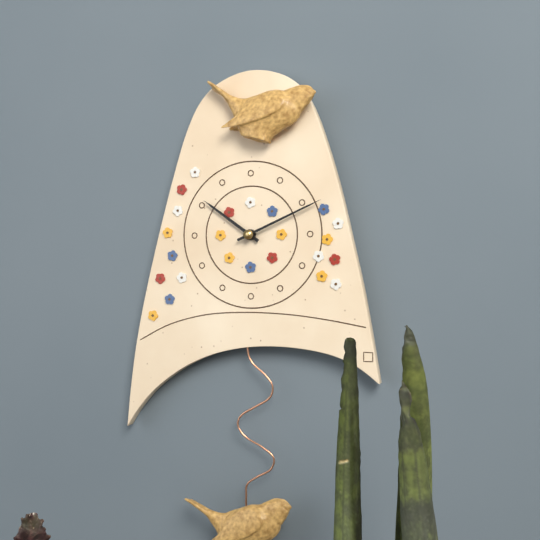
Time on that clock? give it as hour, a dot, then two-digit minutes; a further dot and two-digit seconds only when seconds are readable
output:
10.11
